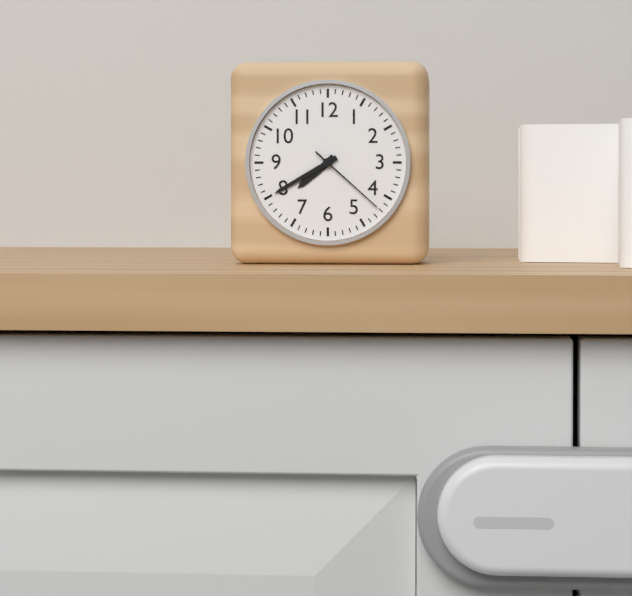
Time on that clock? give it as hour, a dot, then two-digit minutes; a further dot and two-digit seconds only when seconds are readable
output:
7.40.22
